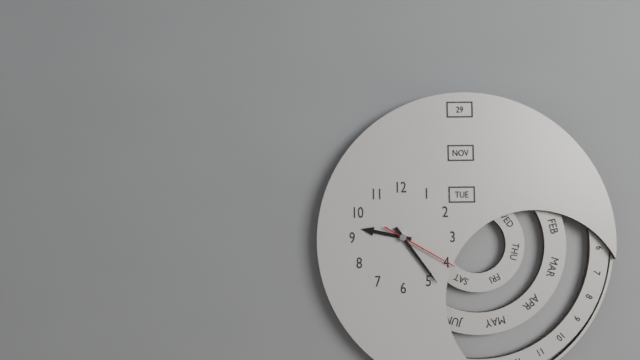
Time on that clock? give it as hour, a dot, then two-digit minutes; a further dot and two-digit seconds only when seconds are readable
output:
9.24.20
